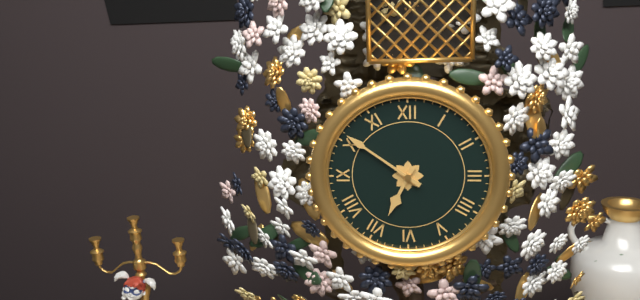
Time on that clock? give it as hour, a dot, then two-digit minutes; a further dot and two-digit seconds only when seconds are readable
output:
6.51
